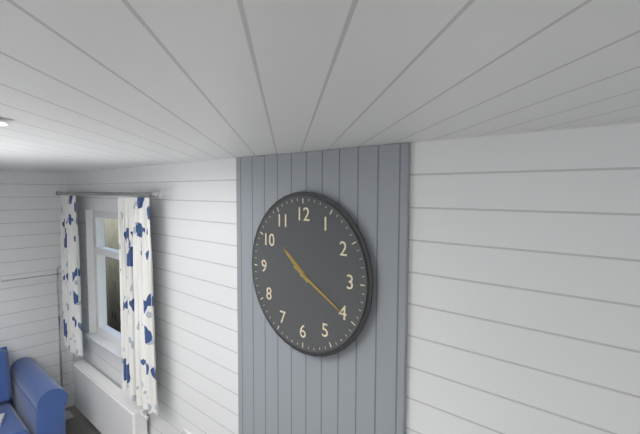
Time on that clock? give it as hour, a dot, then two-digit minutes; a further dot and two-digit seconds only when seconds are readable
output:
10.20
